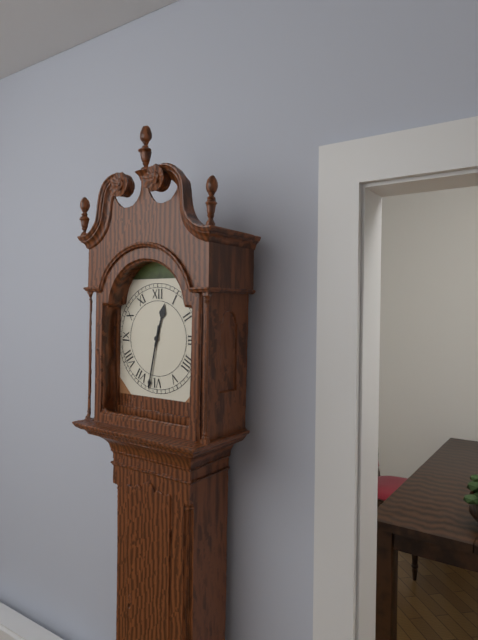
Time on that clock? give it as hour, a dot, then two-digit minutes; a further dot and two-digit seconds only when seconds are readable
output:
12.32
